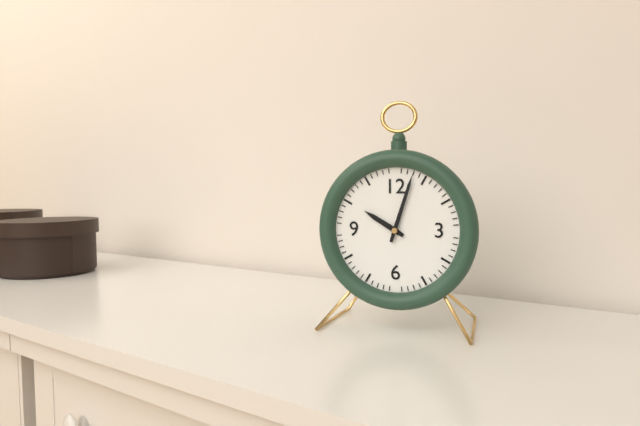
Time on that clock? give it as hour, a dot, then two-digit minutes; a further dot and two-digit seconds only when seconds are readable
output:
10.03
